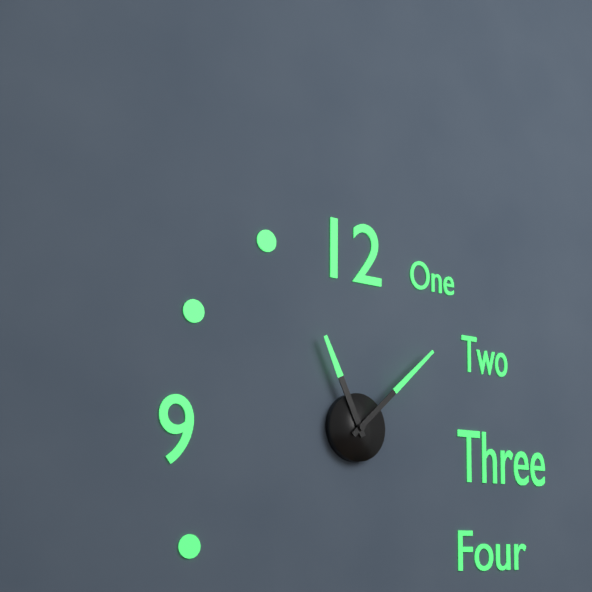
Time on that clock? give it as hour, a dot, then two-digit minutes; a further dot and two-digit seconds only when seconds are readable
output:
11.08
